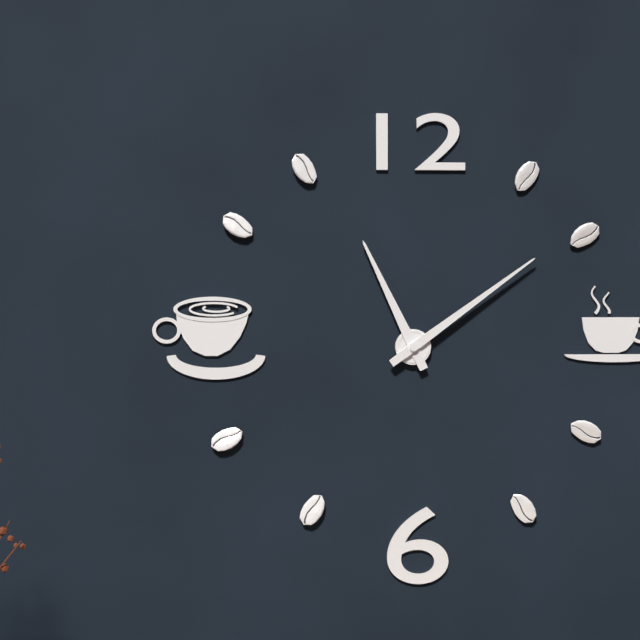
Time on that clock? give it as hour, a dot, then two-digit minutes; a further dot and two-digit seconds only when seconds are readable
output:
11.09
